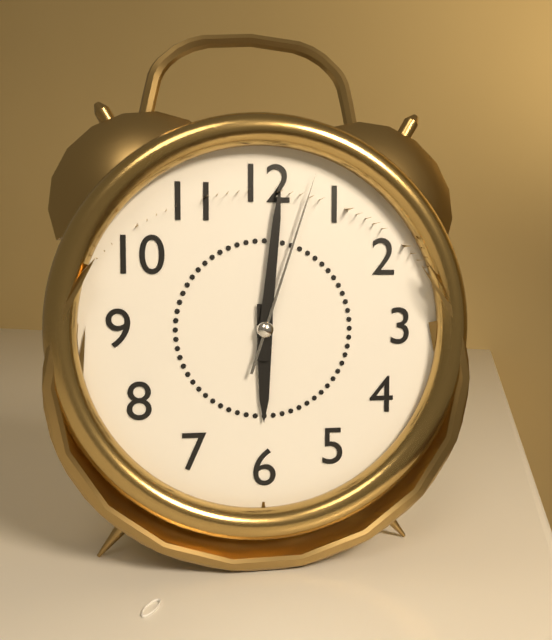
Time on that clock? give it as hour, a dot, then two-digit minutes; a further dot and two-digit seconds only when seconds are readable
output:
6.01.03
